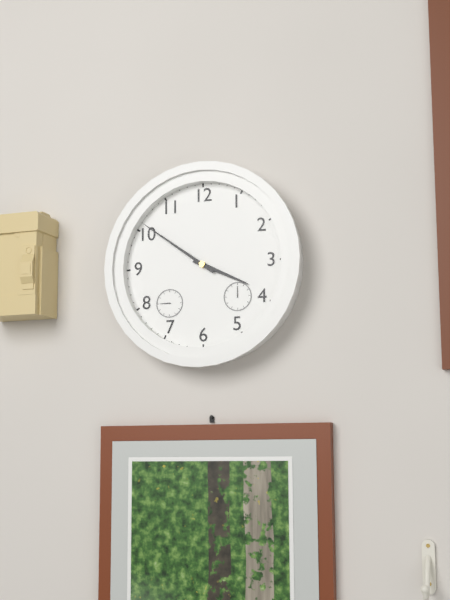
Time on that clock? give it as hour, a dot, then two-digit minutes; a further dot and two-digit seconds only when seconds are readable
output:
3.51
